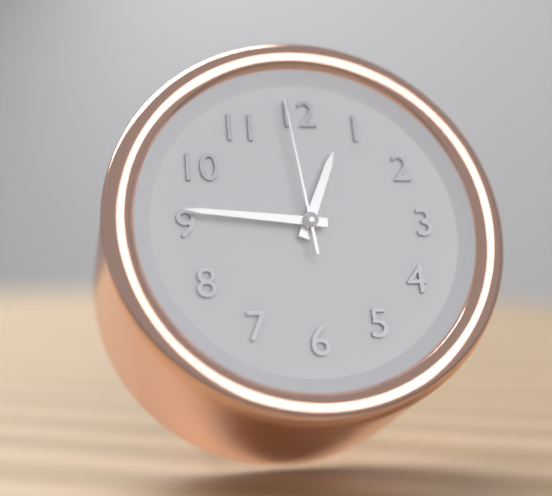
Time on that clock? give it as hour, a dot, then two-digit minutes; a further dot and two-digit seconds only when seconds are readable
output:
12.46.59
